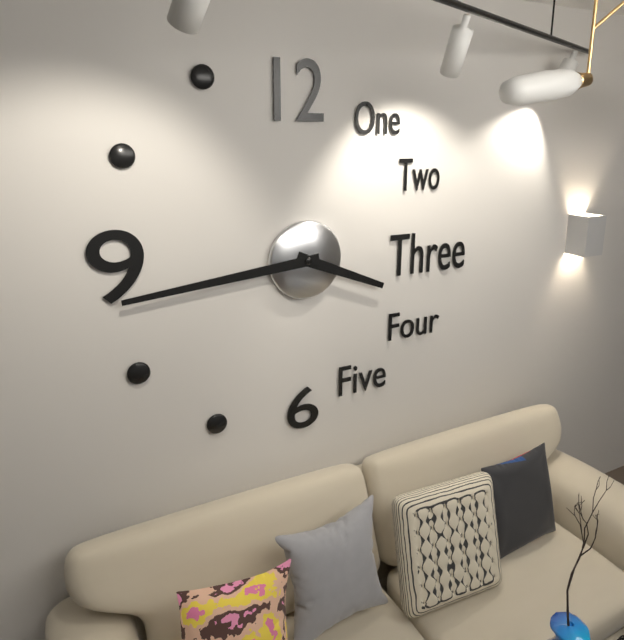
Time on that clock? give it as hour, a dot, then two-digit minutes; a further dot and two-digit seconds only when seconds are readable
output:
3.44
